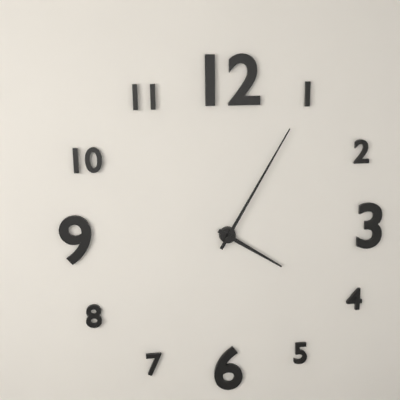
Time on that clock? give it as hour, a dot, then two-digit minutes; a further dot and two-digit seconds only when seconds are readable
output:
4.05
